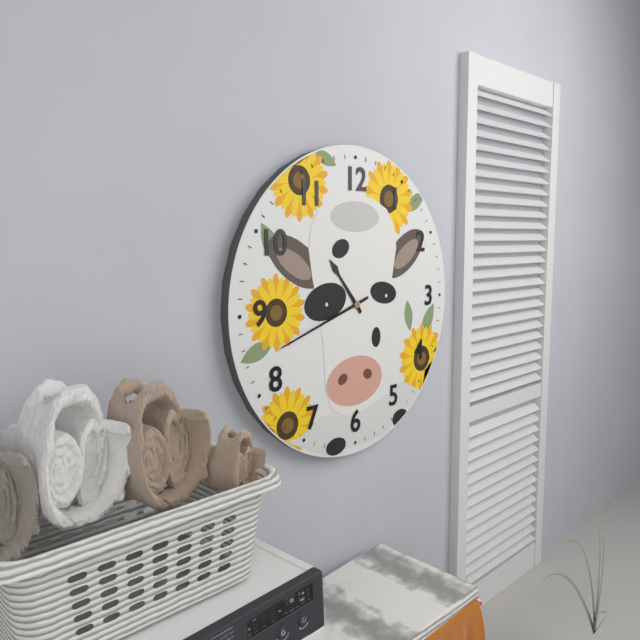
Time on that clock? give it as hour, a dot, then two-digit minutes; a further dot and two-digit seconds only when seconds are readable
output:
10.42
